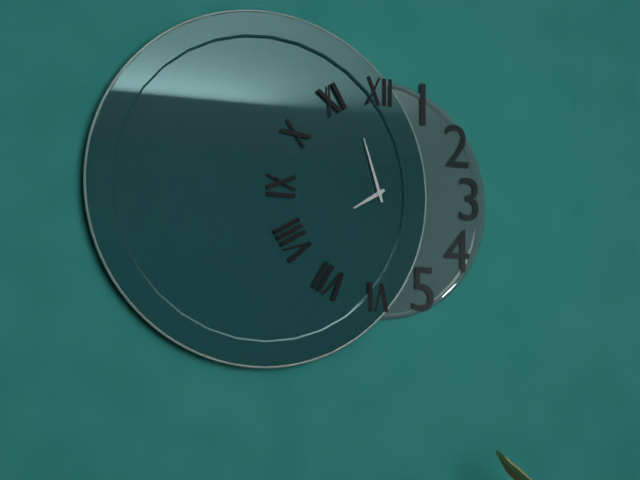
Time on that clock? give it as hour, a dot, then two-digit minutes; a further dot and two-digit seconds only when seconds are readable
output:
7.57
